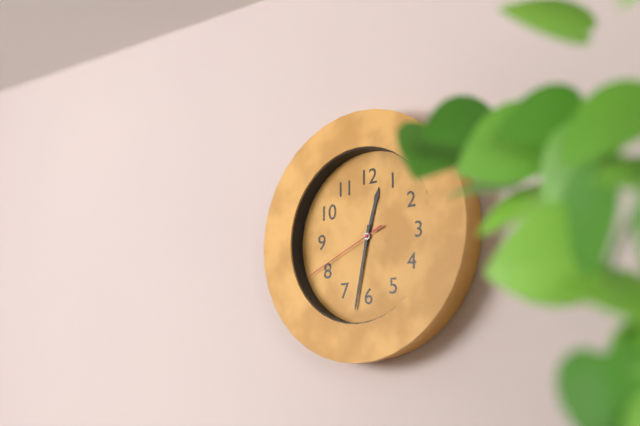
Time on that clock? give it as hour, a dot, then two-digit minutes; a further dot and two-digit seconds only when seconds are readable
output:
12.32.41
